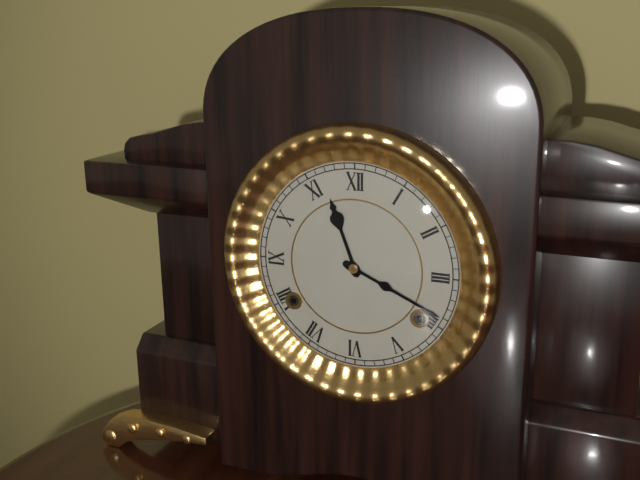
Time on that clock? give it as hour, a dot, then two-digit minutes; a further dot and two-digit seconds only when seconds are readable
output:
11.19
